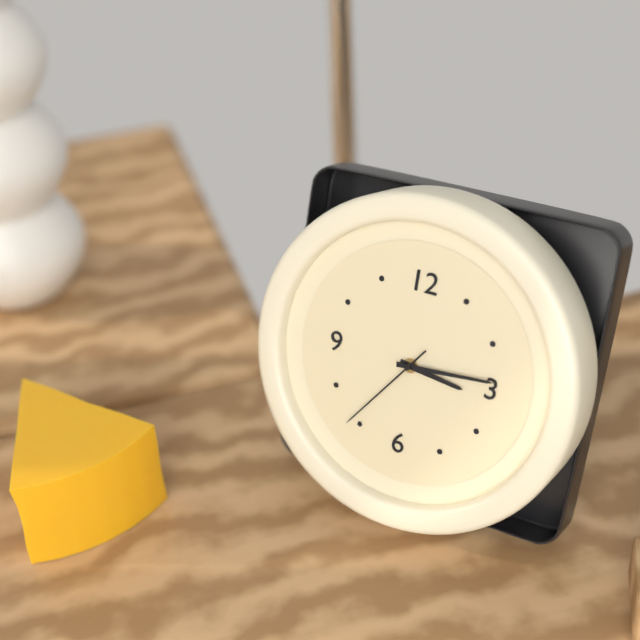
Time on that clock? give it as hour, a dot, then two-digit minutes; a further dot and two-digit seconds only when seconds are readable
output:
3.14.36
